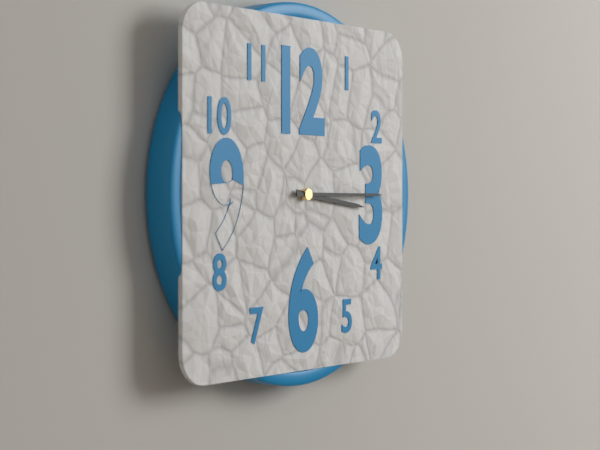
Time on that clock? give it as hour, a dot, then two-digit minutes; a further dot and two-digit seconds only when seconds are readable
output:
3.15
